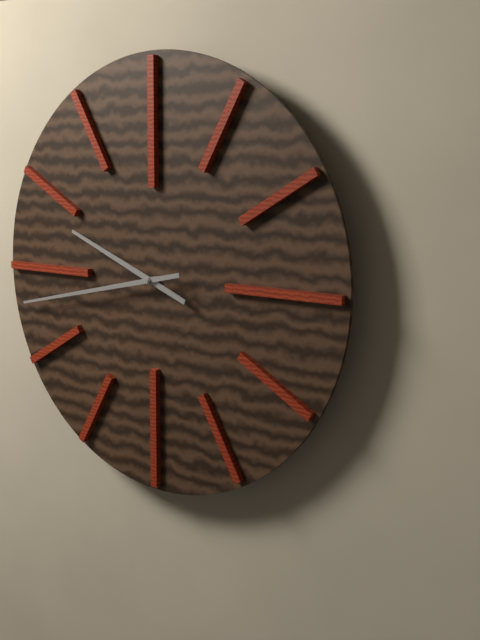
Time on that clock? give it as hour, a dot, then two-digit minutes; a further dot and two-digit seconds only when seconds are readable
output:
9.43
